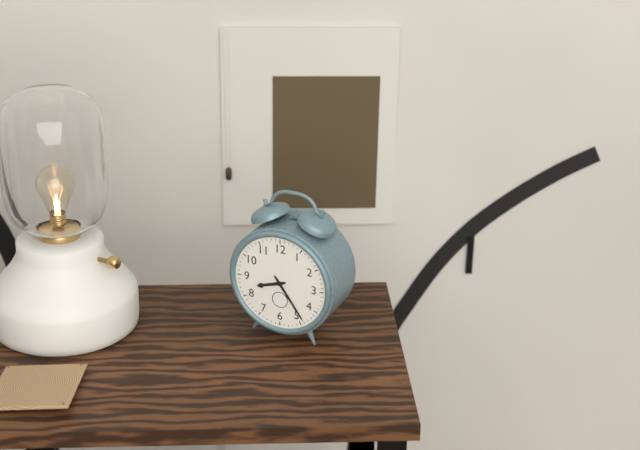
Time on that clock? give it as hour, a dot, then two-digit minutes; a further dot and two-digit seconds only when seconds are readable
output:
8.24
